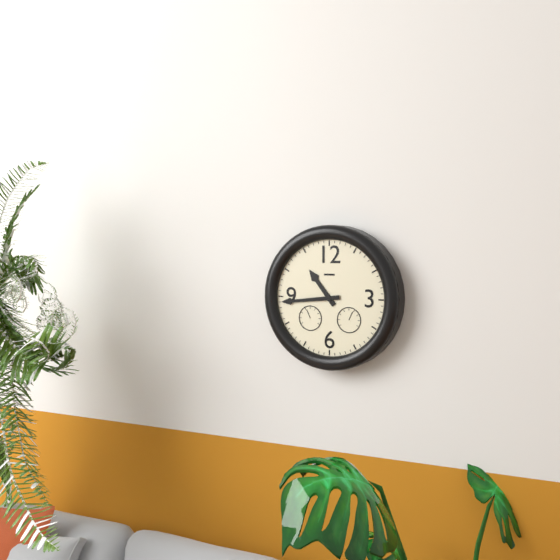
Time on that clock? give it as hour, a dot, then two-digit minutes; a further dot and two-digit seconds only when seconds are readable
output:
10.44
